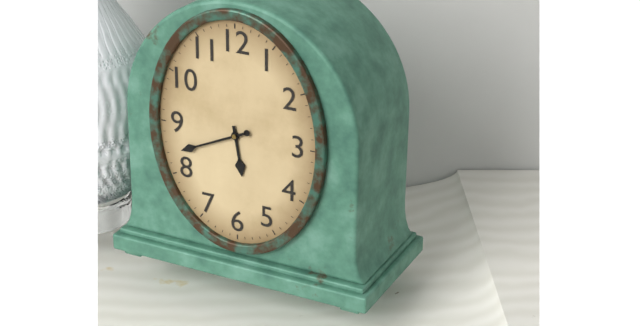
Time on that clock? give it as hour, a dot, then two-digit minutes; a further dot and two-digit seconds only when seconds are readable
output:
5.41
